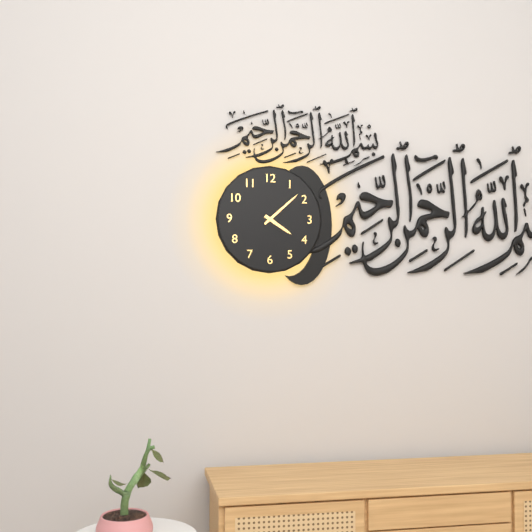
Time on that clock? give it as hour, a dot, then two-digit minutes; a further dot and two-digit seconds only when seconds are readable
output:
4.08
